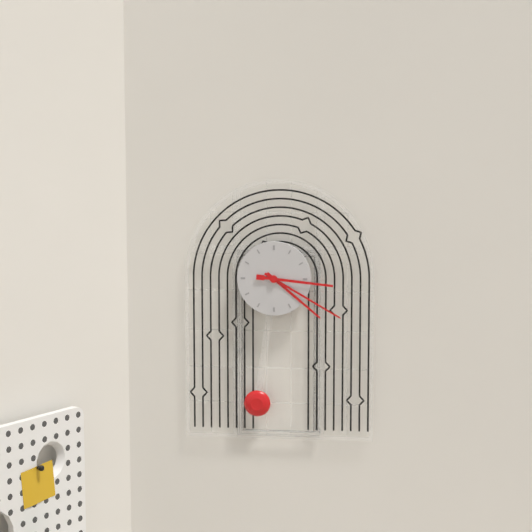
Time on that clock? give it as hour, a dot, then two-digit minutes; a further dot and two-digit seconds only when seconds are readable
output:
4.20.16
